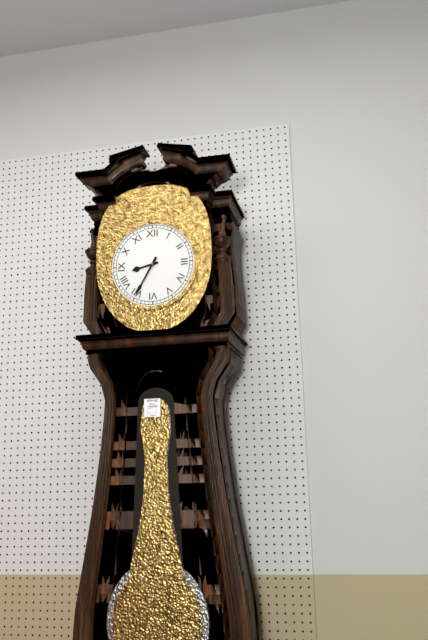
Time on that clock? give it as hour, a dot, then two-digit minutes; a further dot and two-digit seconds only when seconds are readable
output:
8.35
